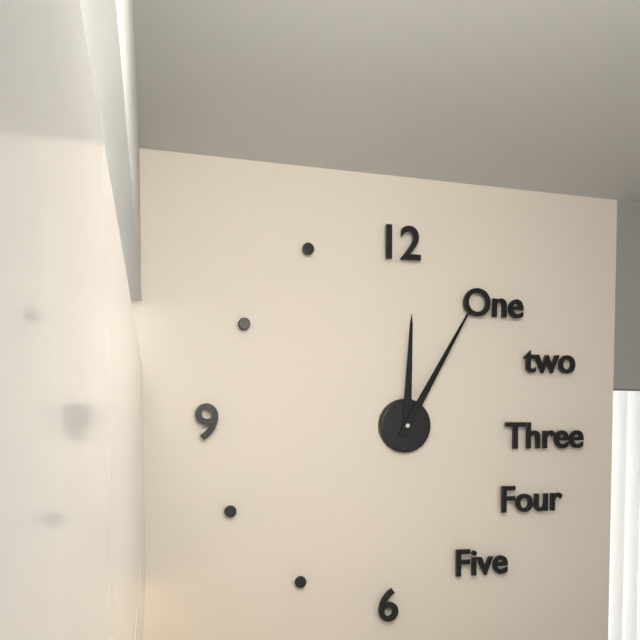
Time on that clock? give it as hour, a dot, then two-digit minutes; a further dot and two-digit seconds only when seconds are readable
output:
12.05
